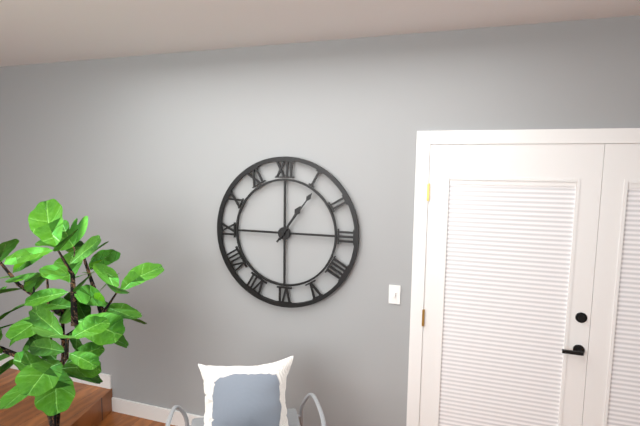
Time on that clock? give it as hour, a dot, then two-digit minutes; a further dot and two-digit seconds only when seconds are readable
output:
1.06
